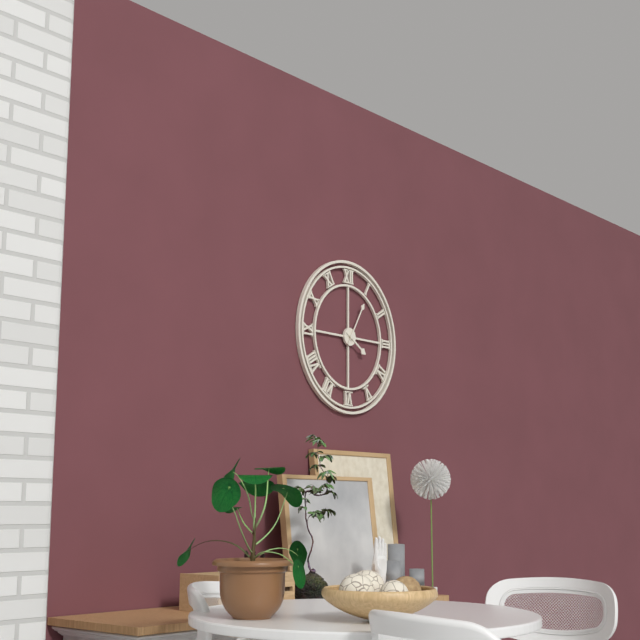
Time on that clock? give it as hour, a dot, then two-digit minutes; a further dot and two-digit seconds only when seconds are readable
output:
4.05
